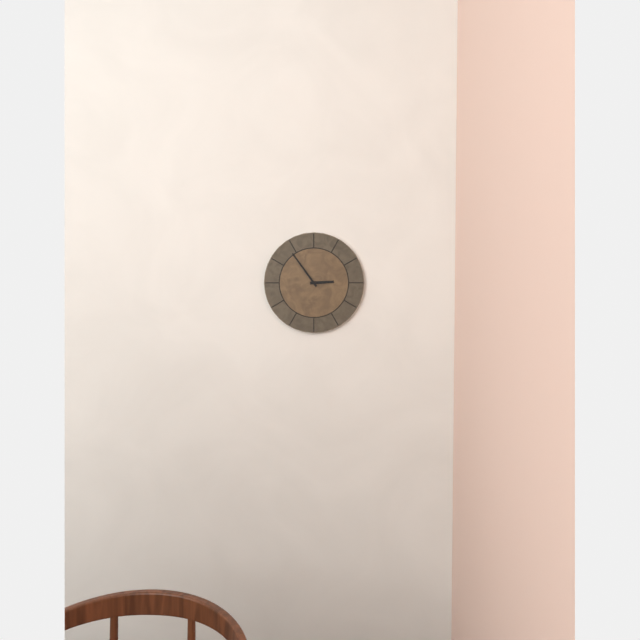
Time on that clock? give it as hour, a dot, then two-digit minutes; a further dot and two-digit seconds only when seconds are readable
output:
2.54
